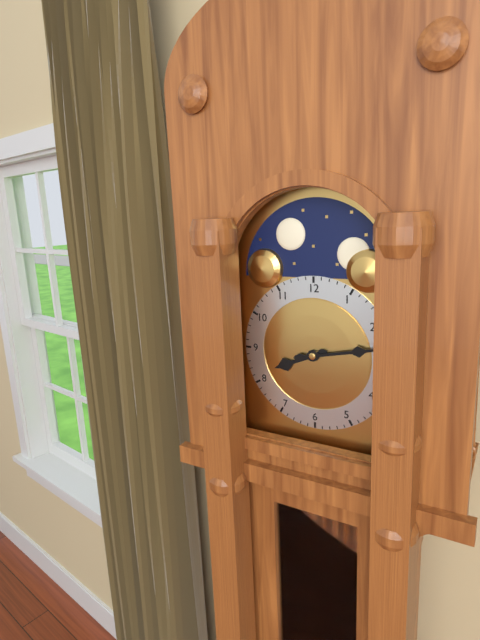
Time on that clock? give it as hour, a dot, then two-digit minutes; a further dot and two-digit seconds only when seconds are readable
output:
8.13
